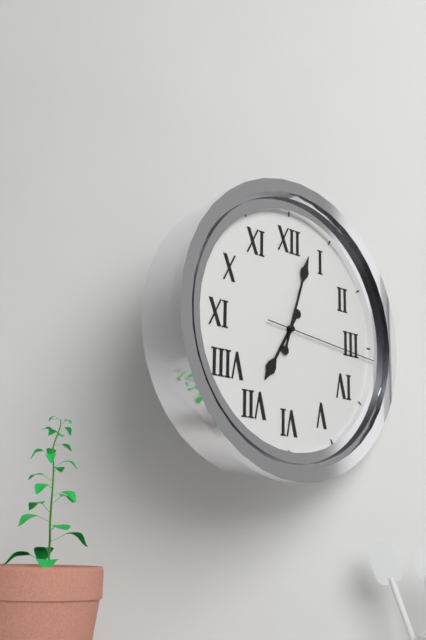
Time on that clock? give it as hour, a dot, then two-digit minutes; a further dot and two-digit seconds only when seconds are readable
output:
7.03.16
